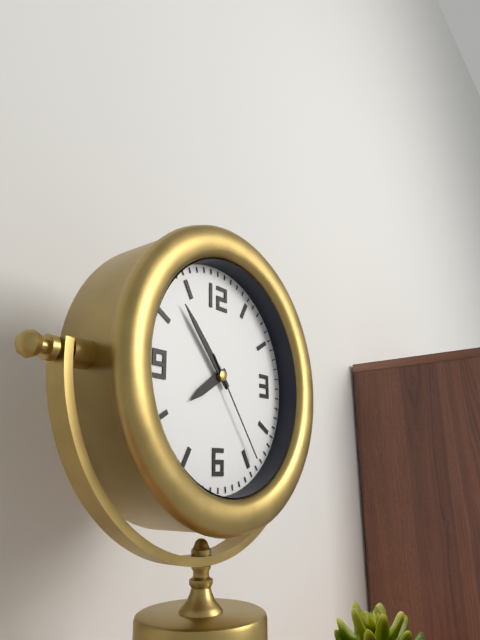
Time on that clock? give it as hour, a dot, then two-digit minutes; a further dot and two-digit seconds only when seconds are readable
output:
7.53.24
